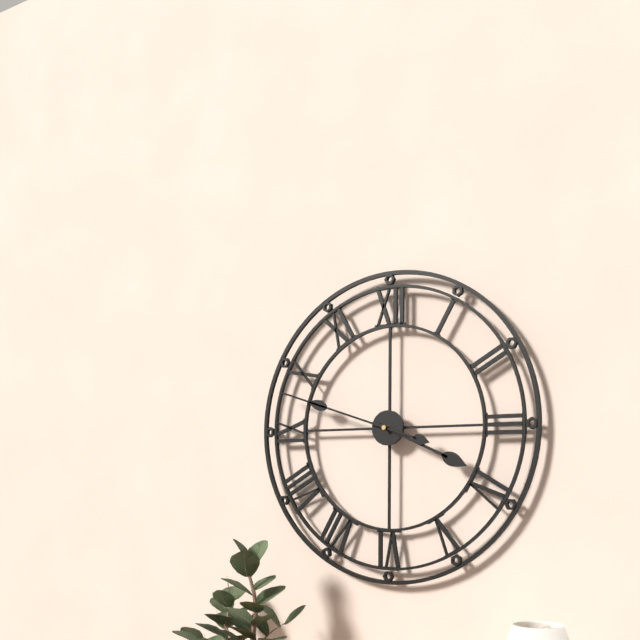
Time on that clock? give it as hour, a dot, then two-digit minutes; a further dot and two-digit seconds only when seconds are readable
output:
3.48
